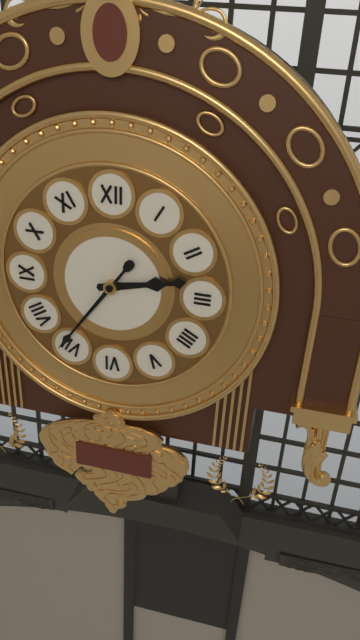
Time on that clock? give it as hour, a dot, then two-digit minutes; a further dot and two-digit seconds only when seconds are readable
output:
2.36
